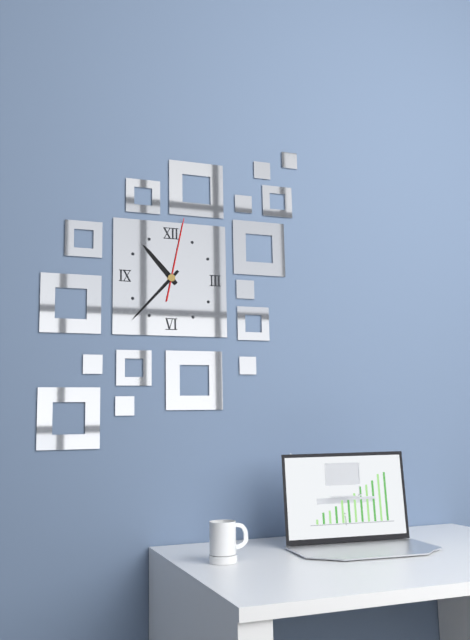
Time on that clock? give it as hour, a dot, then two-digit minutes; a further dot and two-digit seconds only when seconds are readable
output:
10.37.02
